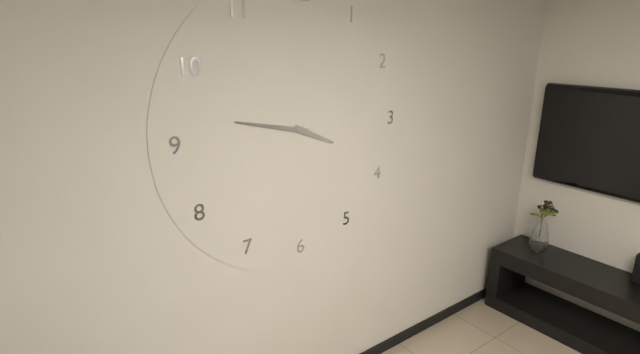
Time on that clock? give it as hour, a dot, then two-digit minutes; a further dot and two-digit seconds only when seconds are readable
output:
3.47
